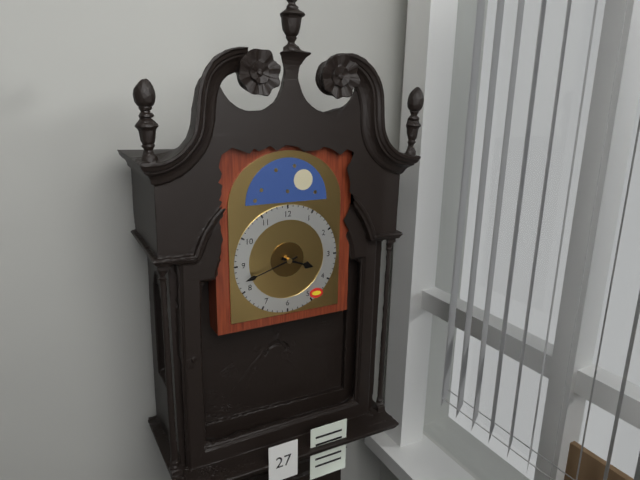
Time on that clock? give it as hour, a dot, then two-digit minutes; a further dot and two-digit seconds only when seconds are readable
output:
3.42
